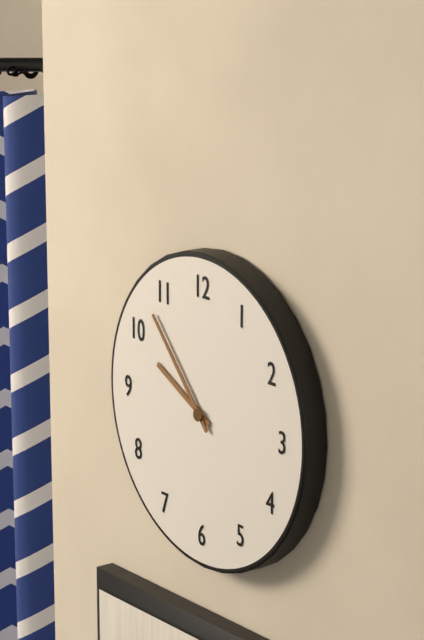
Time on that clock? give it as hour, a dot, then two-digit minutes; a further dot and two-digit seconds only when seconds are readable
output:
9.53
